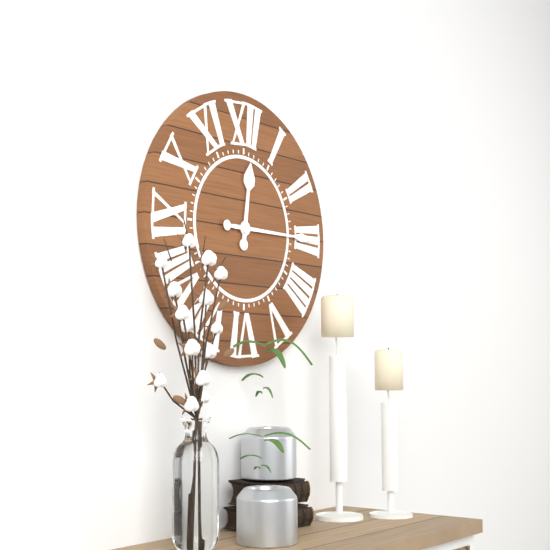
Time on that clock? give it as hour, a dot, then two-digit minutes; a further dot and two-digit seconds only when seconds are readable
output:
12.15
